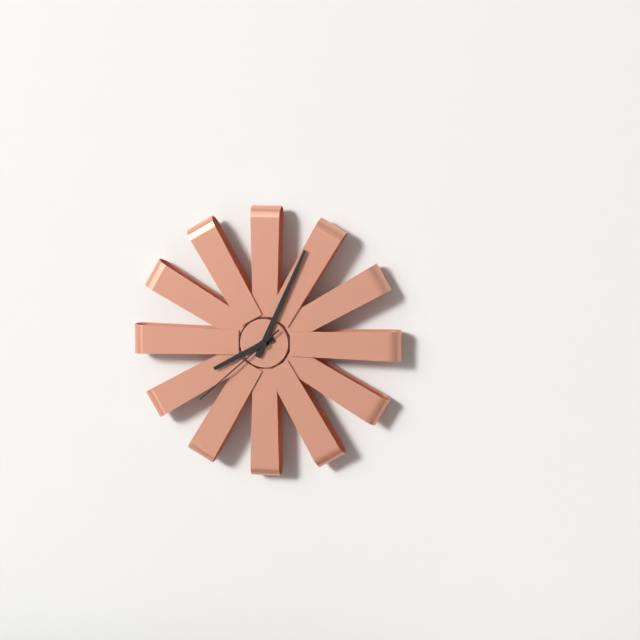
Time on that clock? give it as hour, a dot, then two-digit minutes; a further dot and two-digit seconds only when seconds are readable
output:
8.04.38
